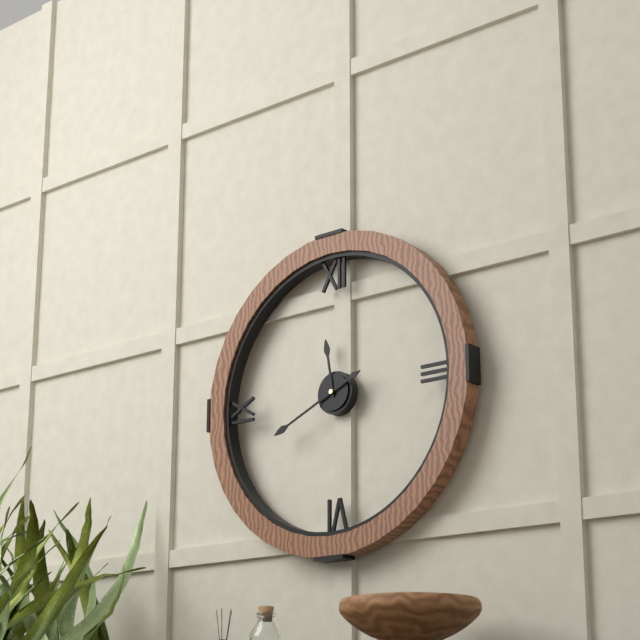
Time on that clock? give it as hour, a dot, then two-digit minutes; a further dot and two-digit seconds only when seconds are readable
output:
11.41
